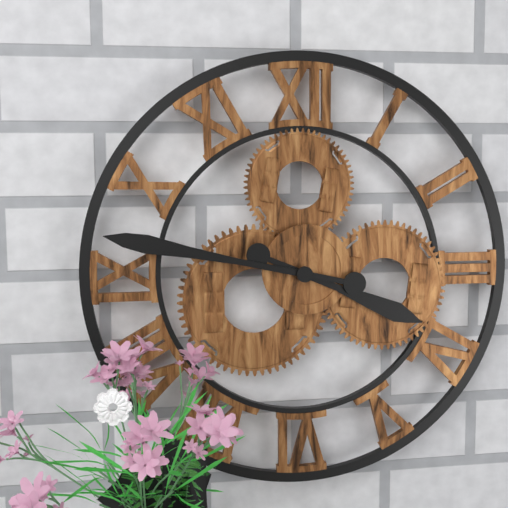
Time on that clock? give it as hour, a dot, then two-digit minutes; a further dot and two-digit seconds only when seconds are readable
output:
3.47
